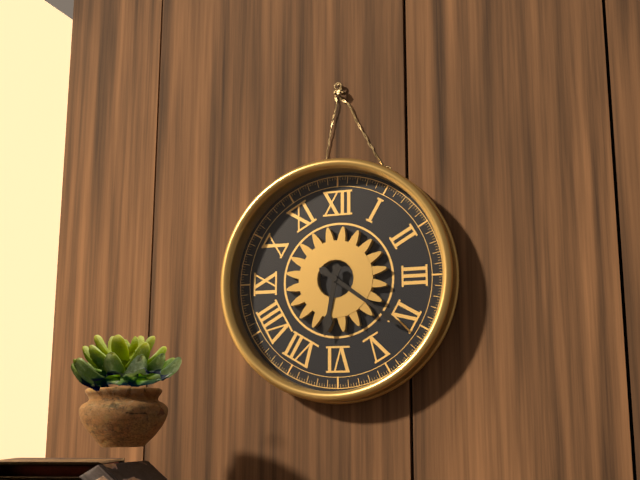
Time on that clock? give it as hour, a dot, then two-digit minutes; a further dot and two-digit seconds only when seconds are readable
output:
6.21
